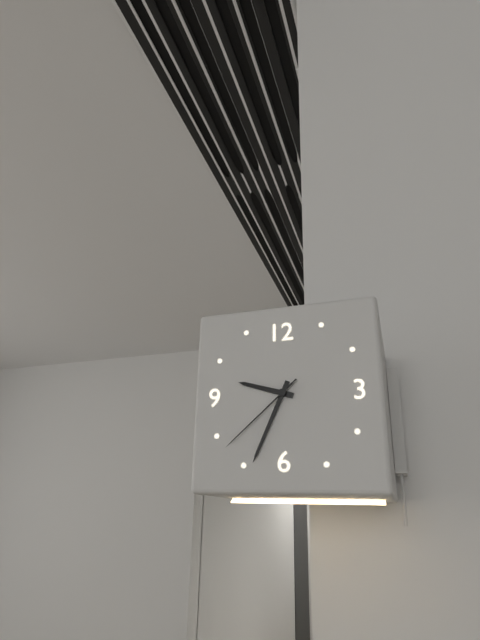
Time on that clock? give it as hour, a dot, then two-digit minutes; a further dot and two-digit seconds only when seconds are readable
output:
9.34.38
